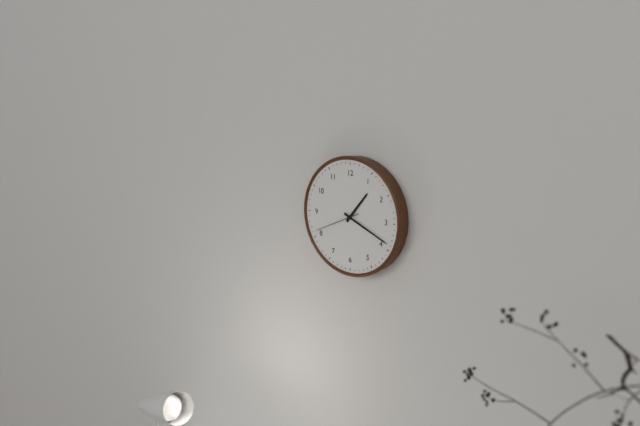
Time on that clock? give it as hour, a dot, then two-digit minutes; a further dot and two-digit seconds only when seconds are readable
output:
1.19
